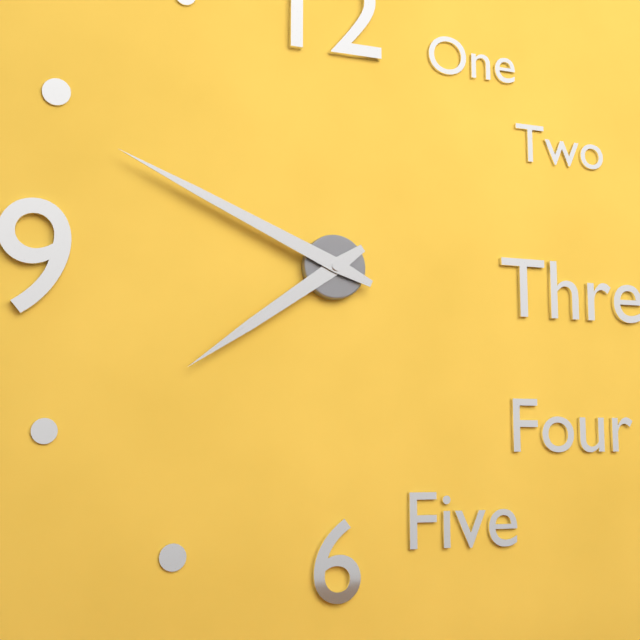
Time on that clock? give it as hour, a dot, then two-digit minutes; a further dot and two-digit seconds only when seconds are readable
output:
7.49
